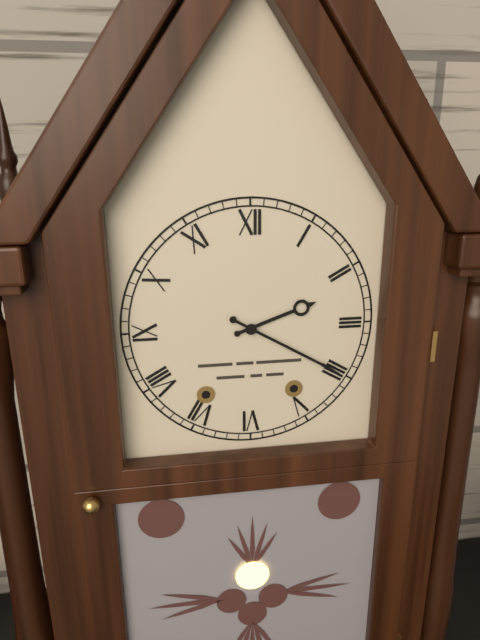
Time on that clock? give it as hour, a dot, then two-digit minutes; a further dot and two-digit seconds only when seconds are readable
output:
2.20
